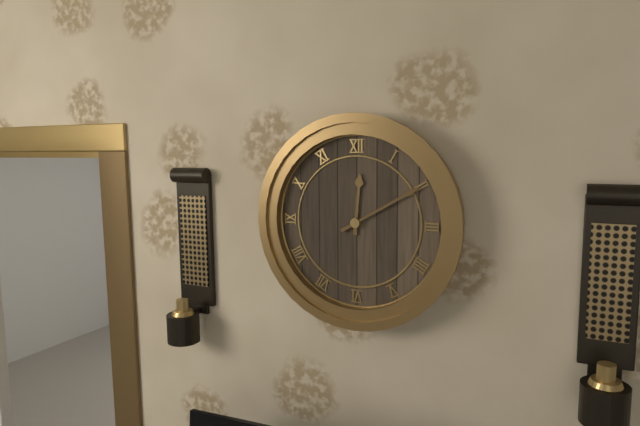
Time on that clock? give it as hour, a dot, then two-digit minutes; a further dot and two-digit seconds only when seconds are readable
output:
12.10
